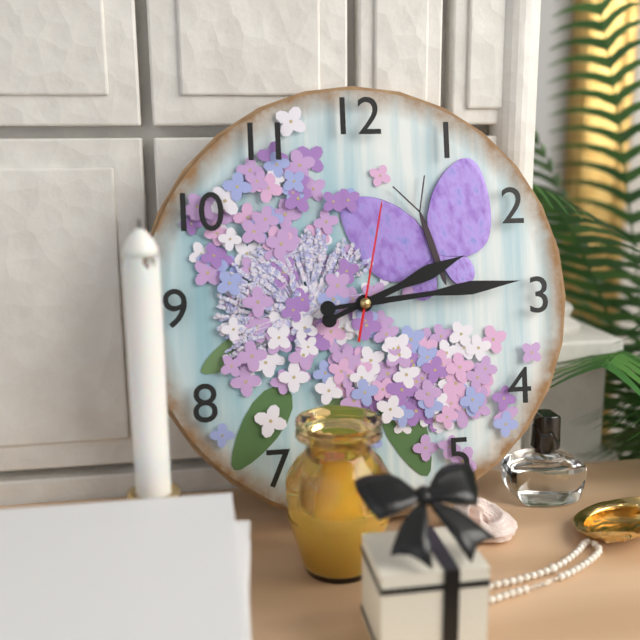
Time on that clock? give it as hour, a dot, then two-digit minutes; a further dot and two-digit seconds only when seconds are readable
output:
2.14.02
